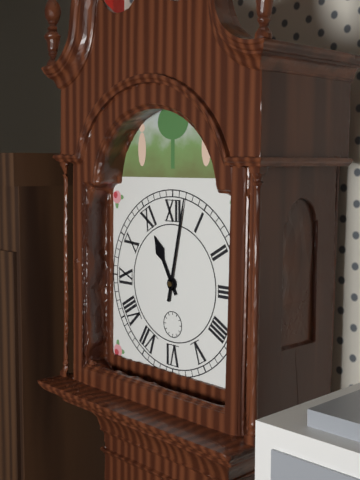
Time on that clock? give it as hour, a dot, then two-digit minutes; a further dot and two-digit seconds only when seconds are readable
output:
11.02
